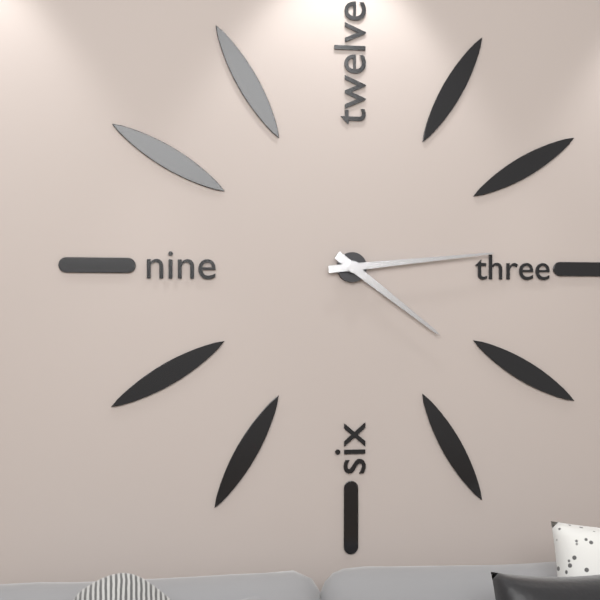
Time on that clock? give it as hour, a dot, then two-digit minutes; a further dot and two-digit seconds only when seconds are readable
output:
4.14
